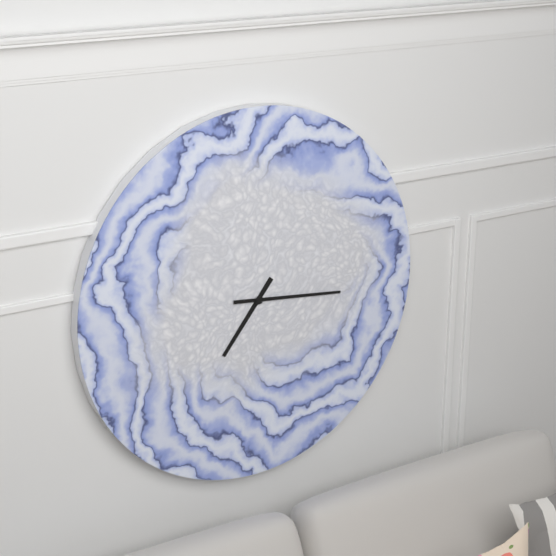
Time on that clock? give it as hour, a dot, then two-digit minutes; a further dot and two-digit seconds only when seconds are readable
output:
7.16
